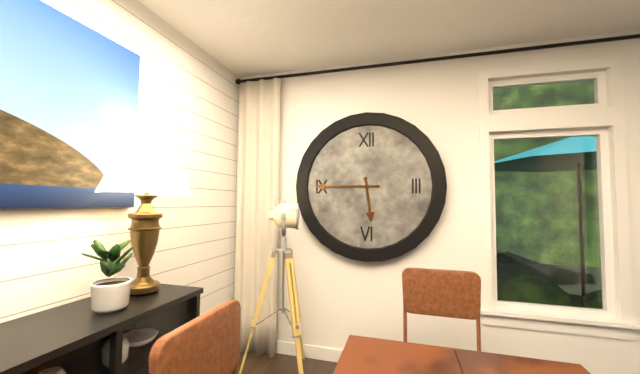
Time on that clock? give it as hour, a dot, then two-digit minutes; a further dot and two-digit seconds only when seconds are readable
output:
5.45
